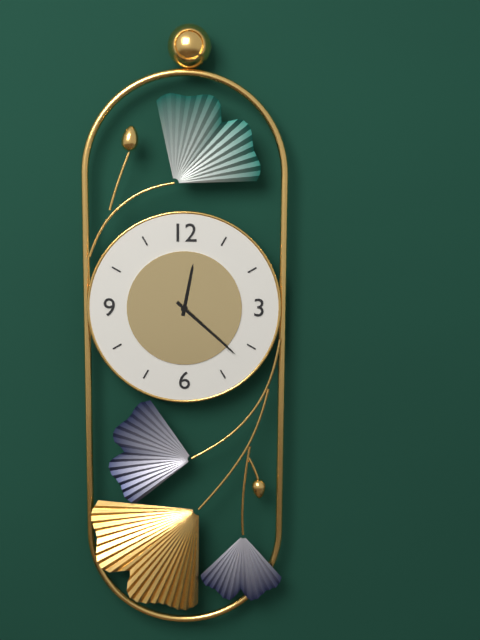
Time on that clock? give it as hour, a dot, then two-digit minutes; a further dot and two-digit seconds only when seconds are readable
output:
12.22
